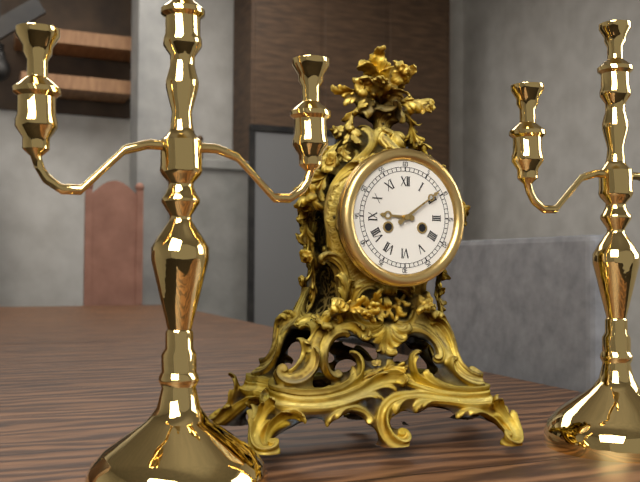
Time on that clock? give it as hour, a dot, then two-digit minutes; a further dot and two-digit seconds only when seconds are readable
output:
9.09
